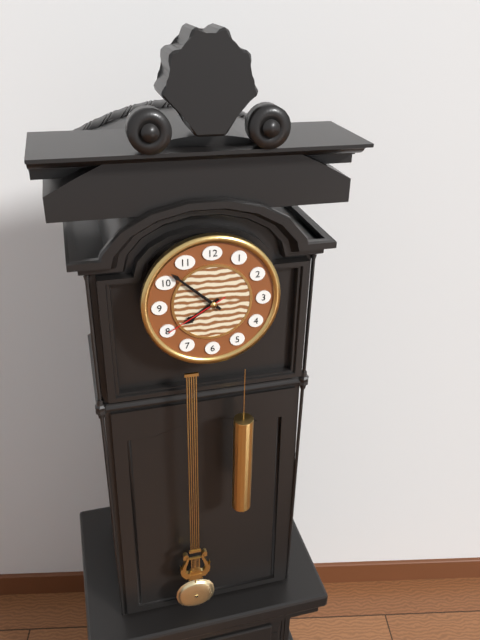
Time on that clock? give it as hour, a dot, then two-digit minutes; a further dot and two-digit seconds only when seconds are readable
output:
7.52.40
